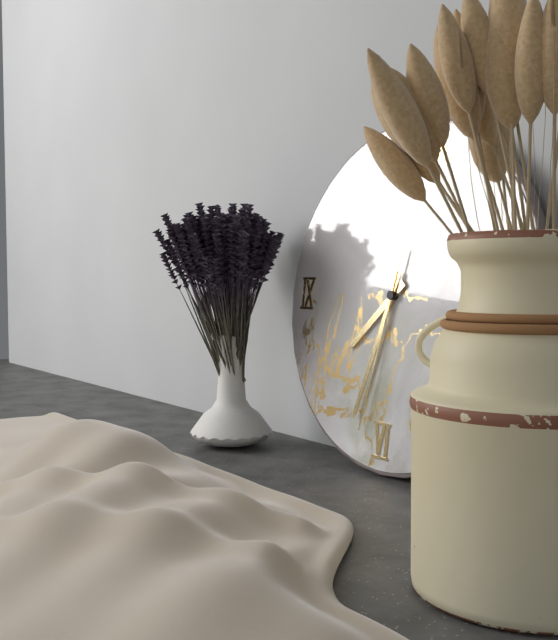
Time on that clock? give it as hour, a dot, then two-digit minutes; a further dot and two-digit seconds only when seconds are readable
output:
7.33.32
